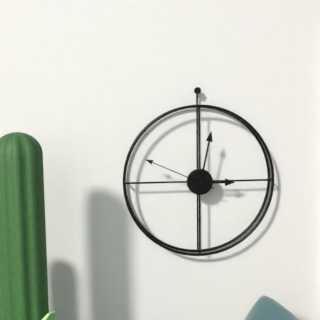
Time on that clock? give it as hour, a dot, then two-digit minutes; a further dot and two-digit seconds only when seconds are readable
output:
3.02.49
